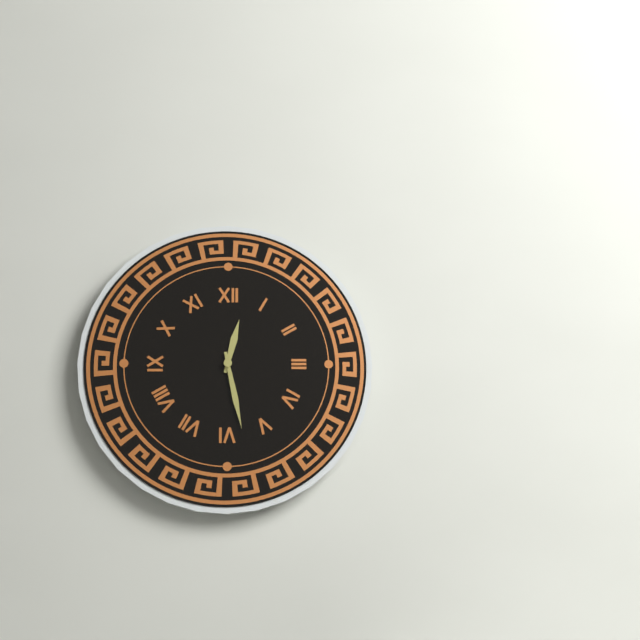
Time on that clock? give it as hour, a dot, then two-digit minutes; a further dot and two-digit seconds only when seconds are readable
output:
12.28
